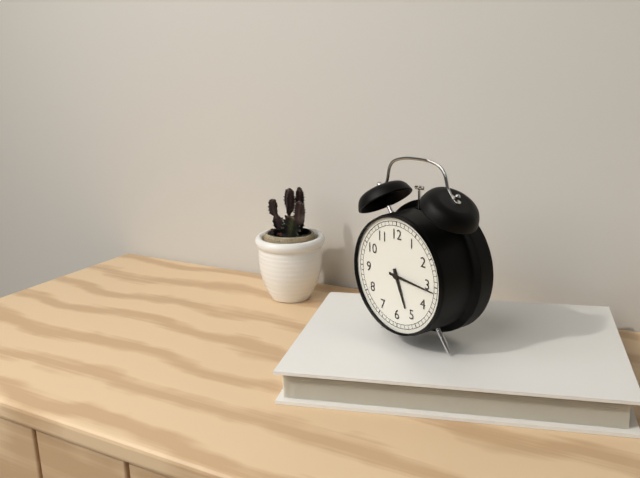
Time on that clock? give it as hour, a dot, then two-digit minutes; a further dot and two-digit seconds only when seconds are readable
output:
5.16
